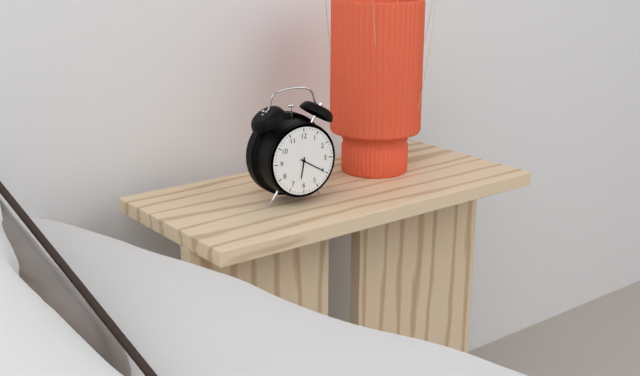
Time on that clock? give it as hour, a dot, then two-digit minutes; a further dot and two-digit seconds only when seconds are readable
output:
6.20
